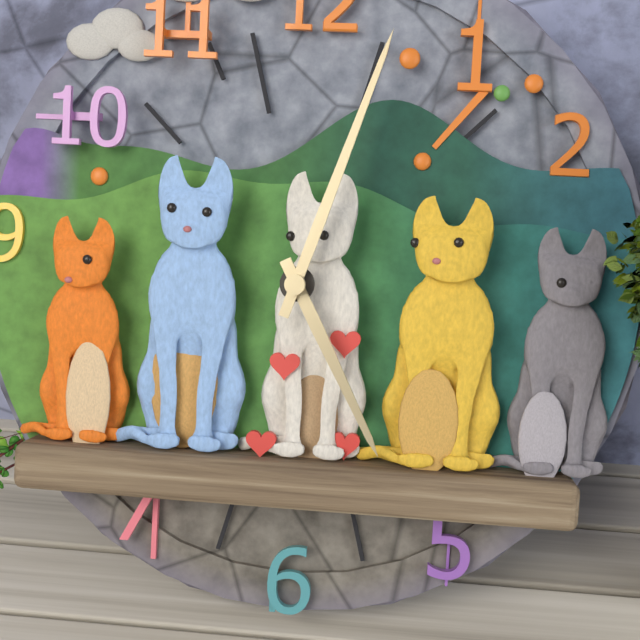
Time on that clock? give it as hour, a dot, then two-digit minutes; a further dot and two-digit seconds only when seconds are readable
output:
5.03
